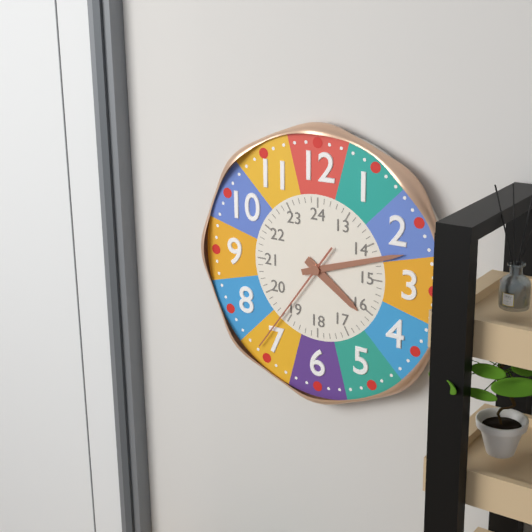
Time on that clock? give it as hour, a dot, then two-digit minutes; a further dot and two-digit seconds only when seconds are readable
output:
4.12.36
